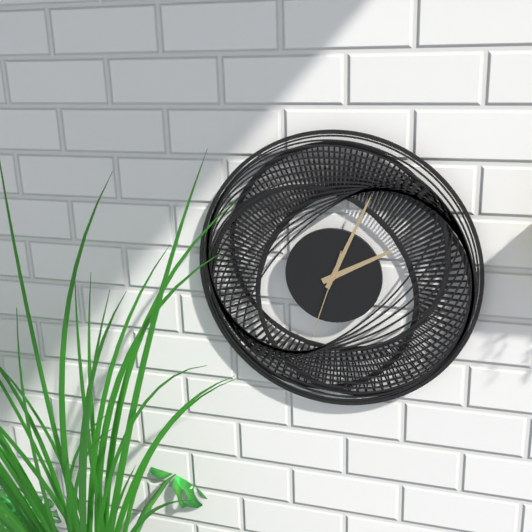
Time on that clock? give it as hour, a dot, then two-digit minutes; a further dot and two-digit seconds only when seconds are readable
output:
2.04.33
